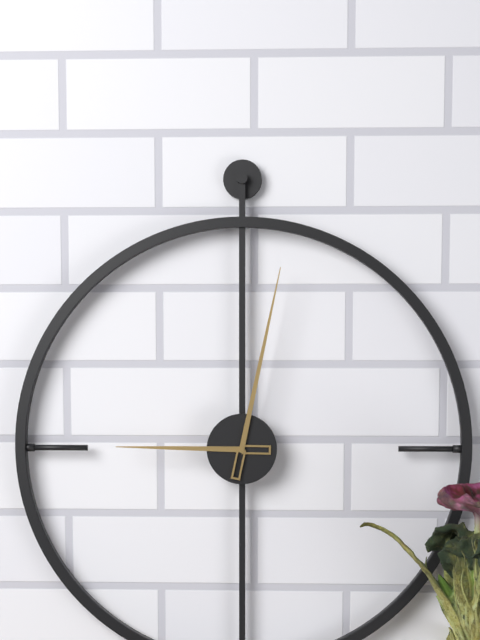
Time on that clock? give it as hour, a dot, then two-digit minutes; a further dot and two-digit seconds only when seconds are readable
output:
9.02
